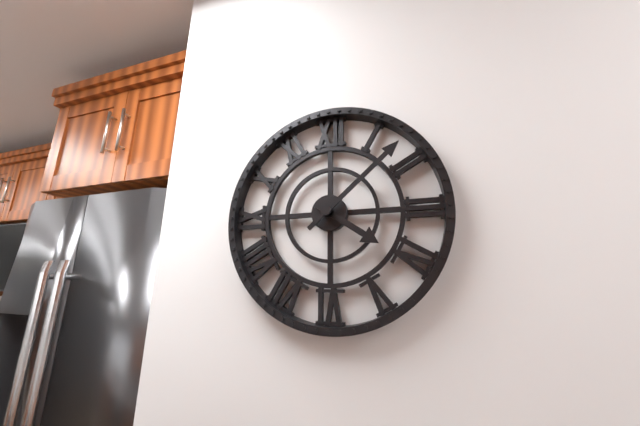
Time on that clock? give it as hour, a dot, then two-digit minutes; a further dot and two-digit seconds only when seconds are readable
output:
4.08
